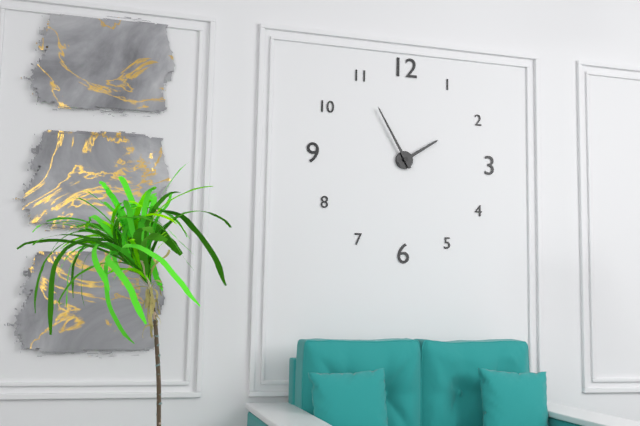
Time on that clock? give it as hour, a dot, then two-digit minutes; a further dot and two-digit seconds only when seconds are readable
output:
1.55
